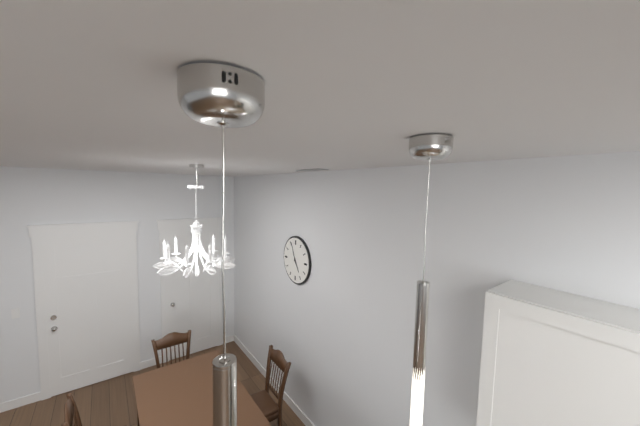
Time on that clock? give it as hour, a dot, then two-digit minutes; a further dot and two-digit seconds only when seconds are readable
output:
4.56
